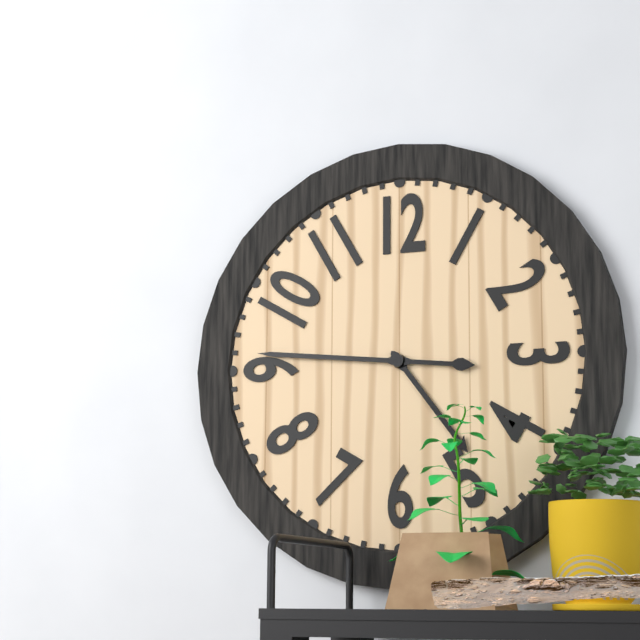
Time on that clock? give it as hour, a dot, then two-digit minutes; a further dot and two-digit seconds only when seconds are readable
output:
4.46
